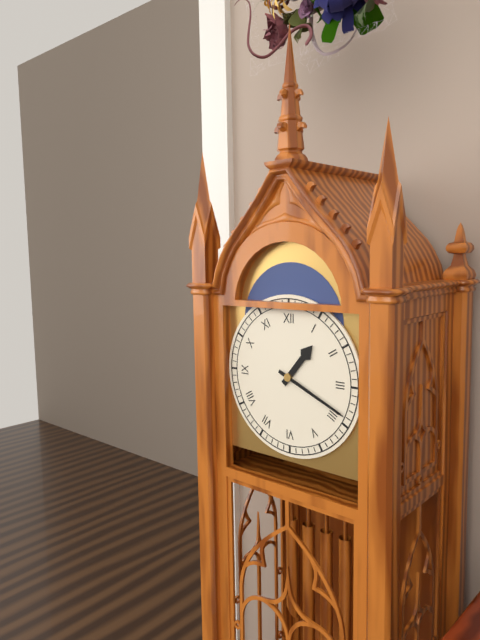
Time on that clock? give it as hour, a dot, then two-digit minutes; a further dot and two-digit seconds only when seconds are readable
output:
1.19
